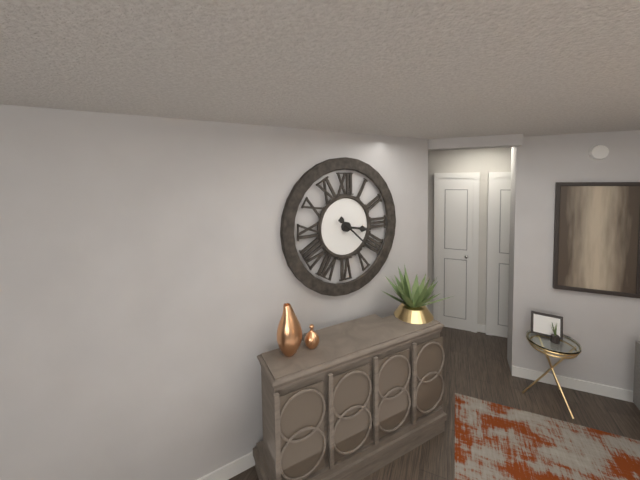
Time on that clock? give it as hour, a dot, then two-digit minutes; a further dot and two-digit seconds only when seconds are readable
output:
3.22
